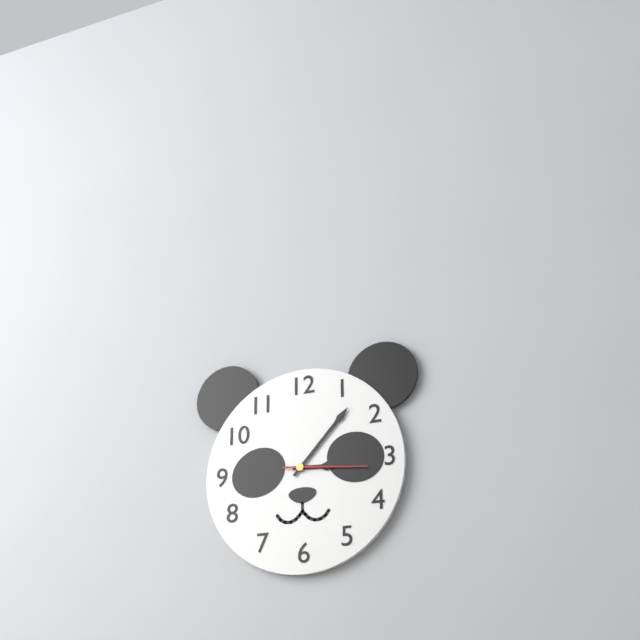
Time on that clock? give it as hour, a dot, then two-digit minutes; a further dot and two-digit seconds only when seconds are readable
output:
3.07.16
